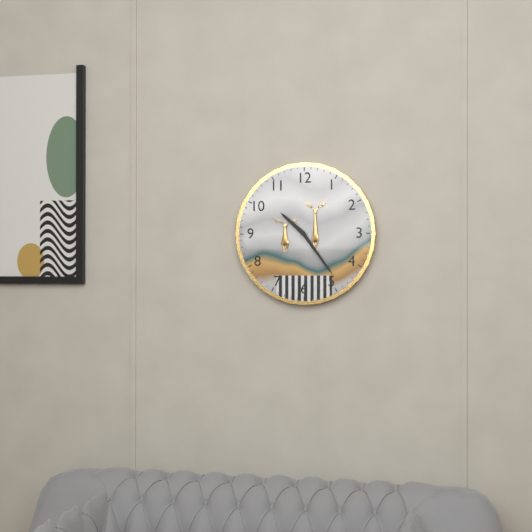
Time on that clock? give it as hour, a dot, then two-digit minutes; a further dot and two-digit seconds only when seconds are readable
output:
10.24
